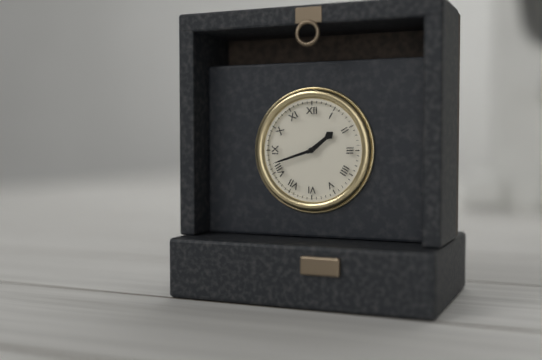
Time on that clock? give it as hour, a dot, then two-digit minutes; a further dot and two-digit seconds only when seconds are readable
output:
1.42
